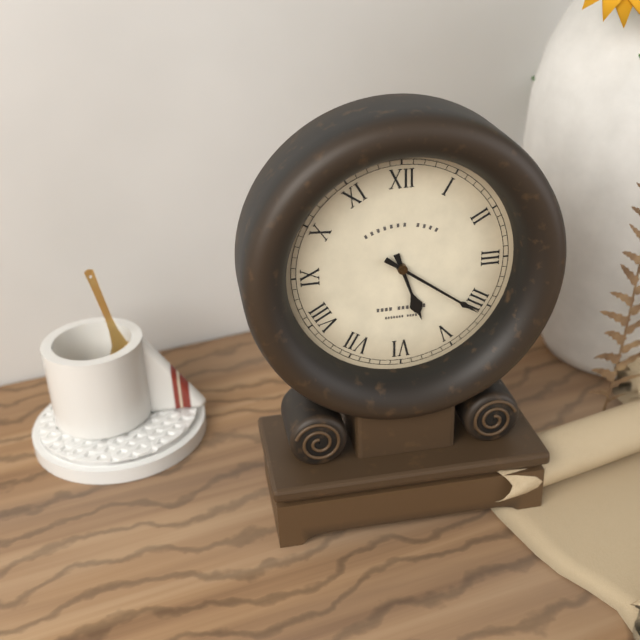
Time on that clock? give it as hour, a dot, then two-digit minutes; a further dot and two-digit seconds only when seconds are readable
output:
5.21
